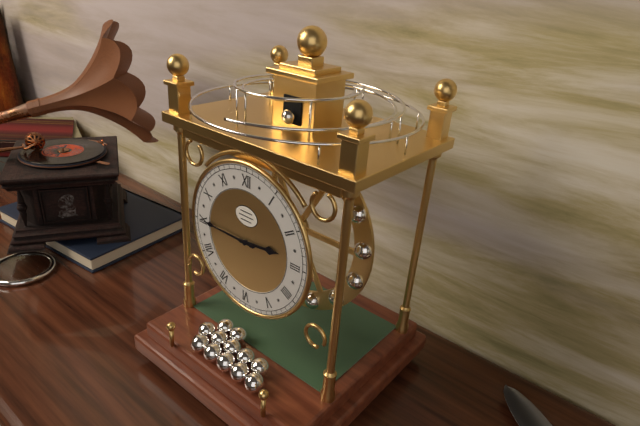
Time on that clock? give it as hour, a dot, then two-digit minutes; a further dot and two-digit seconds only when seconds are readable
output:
2.45
